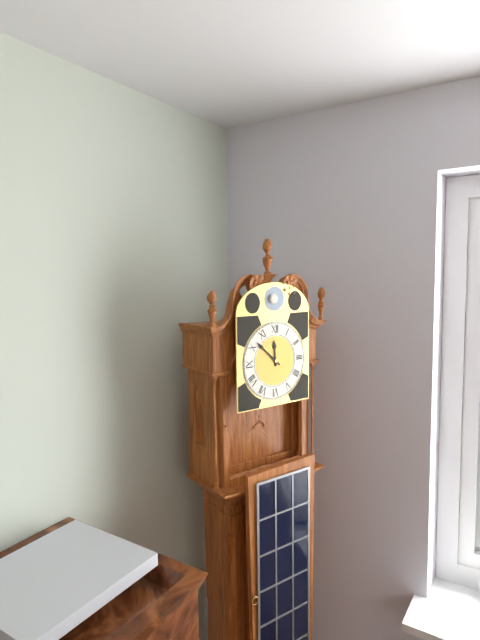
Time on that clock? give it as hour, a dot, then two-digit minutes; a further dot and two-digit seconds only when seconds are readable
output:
11.52
